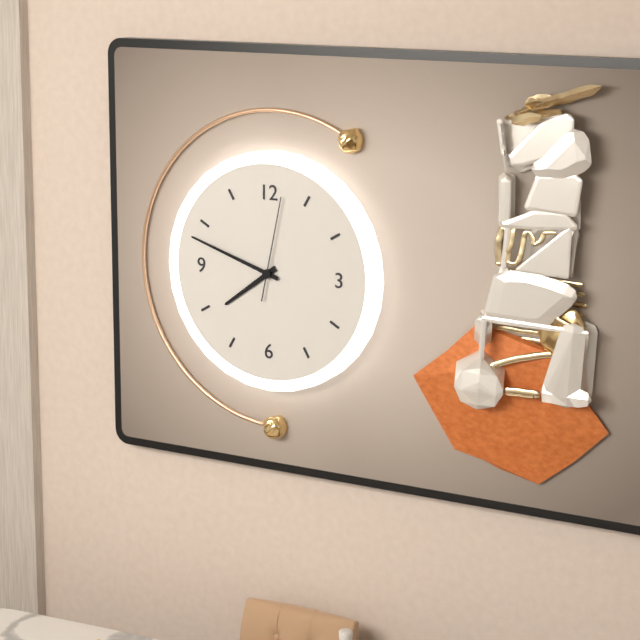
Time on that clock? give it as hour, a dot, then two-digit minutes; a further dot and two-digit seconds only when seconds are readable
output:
7.48.02
